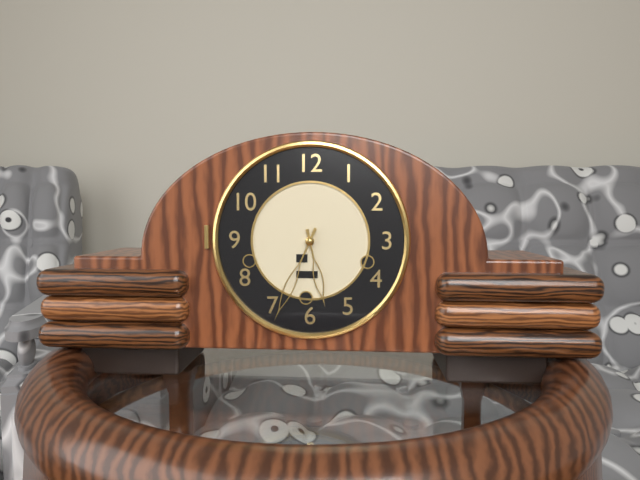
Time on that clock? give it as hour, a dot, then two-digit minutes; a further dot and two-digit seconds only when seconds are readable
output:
5.34
